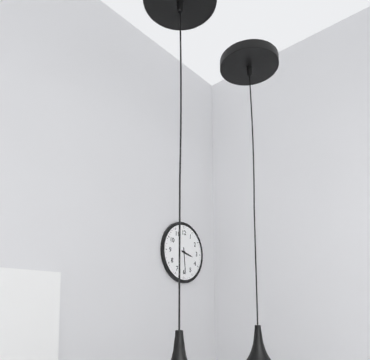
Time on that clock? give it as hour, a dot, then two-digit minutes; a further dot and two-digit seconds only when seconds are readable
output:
3.29
